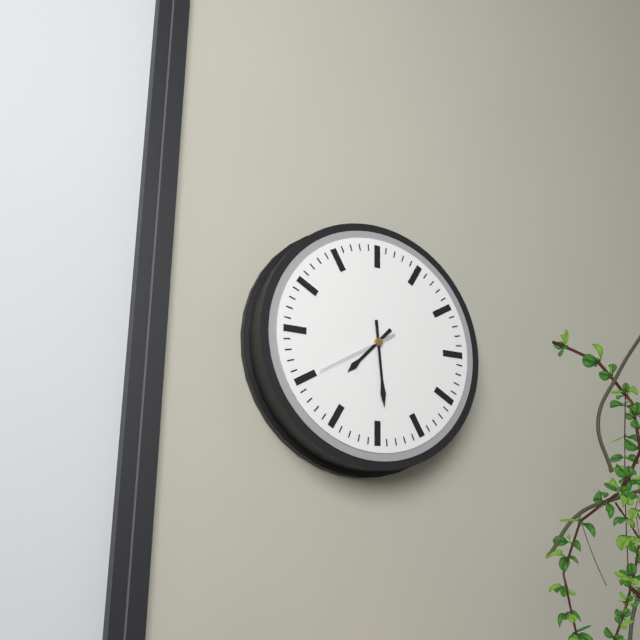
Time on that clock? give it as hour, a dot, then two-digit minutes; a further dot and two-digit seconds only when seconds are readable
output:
7.29.40
